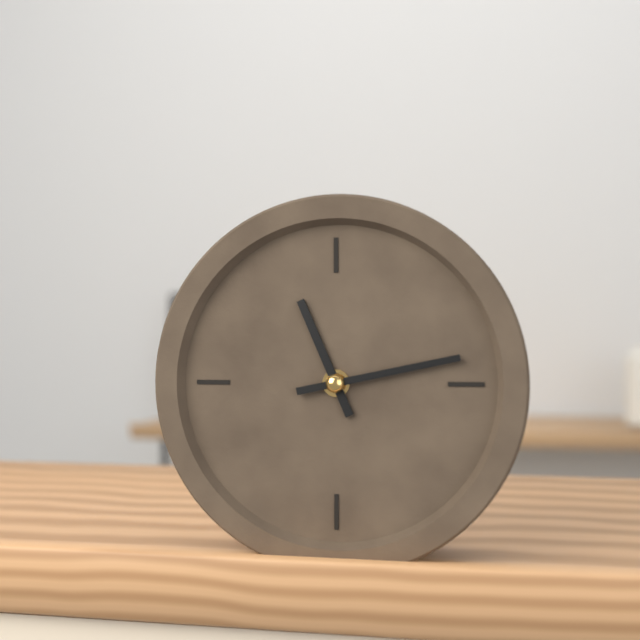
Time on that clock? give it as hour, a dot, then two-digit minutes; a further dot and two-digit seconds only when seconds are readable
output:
11.13
